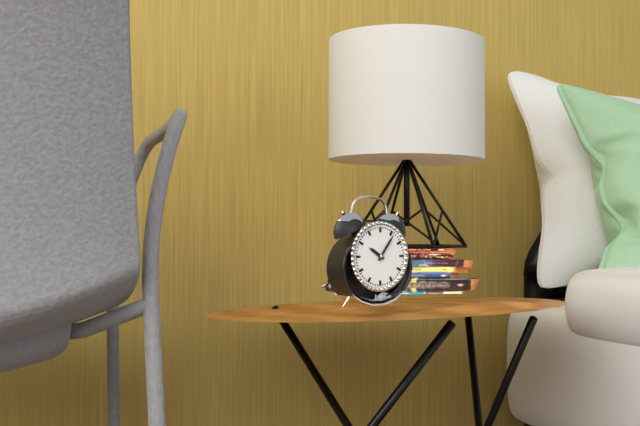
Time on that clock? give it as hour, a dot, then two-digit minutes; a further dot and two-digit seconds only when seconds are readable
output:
10.06
